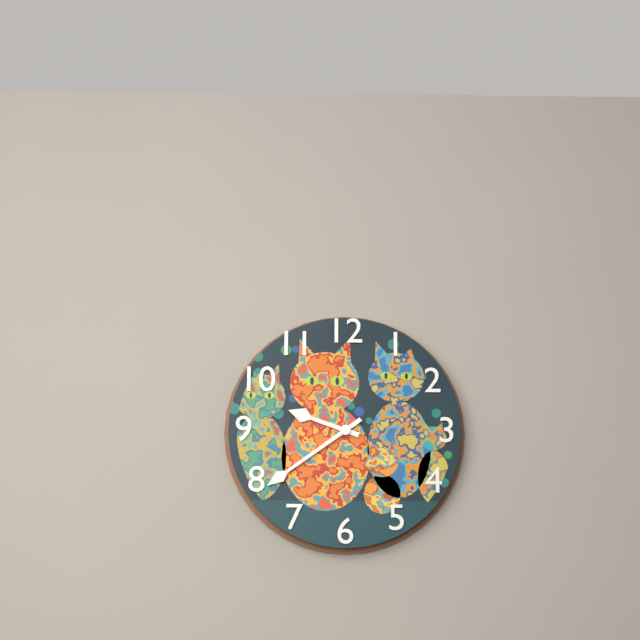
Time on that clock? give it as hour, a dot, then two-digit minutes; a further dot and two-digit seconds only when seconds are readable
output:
9.39
